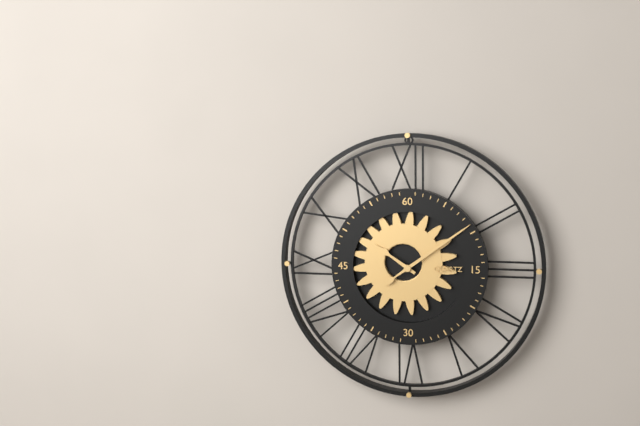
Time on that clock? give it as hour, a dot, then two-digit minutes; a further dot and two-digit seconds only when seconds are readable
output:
10.09
